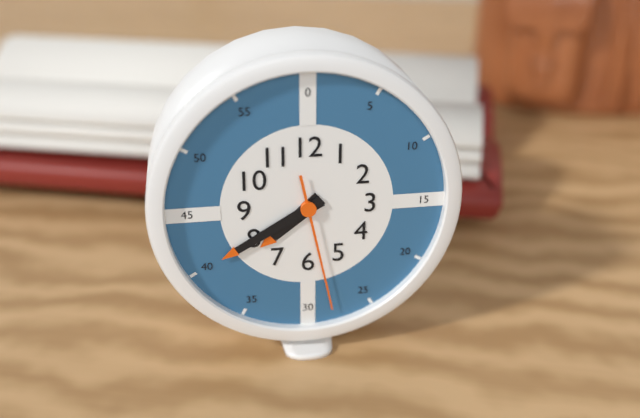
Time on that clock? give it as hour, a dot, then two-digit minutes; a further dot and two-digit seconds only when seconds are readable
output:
7.40.28
